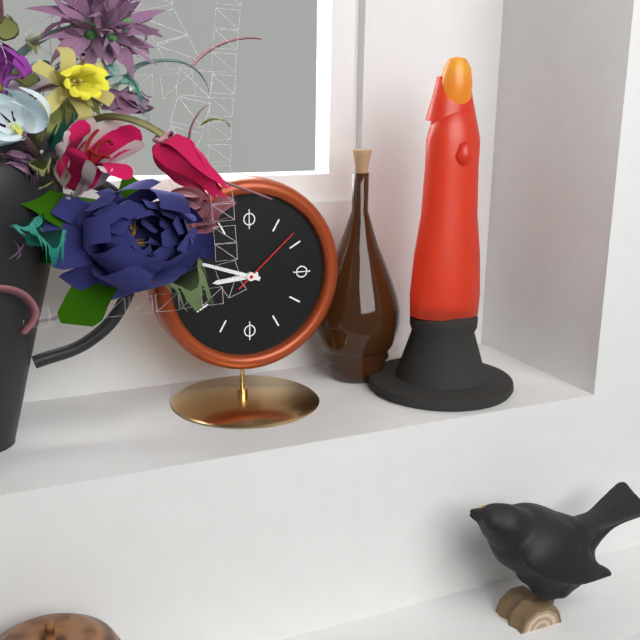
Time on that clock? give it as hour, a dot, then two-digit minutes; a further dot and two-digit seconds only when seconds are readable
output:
8.48.08
